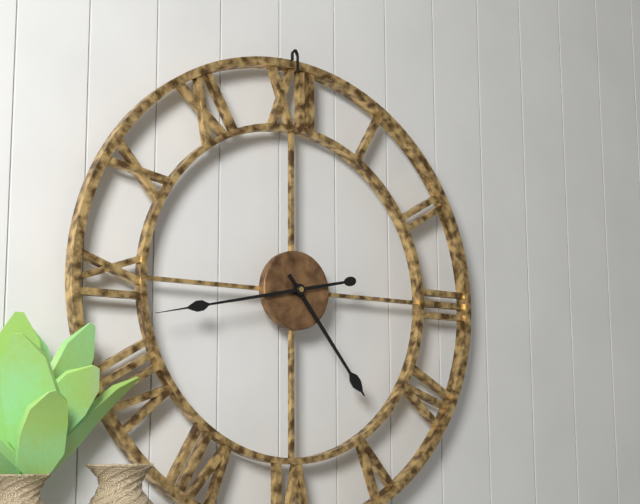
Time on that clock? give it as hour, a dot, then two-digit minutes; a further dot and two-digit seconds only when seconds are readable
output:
4.43
